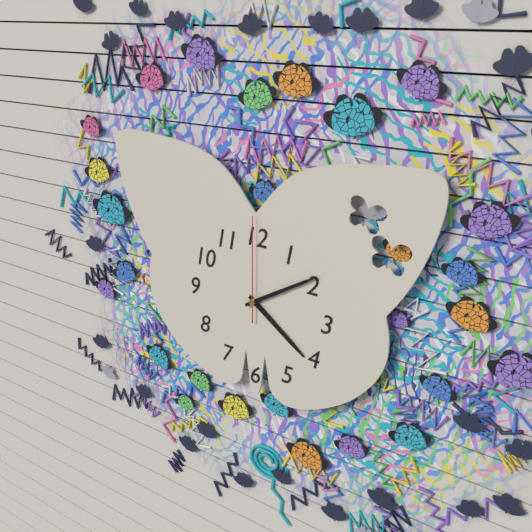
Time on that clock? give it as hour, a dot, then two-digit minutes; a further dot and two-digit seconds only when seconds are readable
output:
4.10.00
